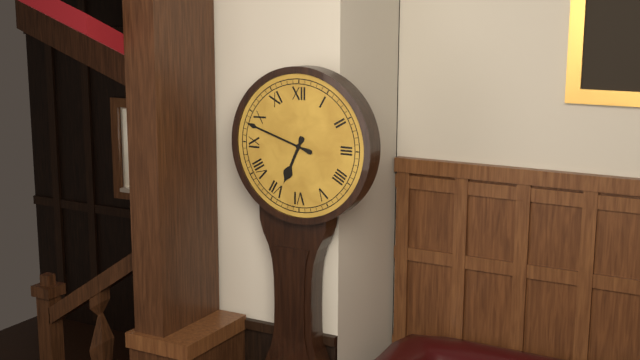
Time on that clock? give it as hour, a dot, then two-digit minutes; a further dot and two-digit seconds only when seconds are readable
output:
6.48
